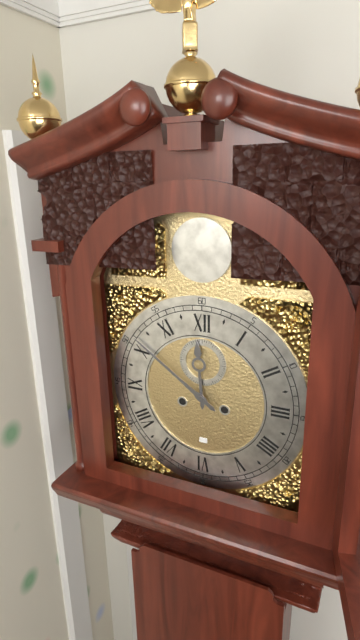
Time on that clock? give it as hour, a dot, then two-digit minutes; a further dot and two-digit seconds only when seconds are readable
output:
11.51
